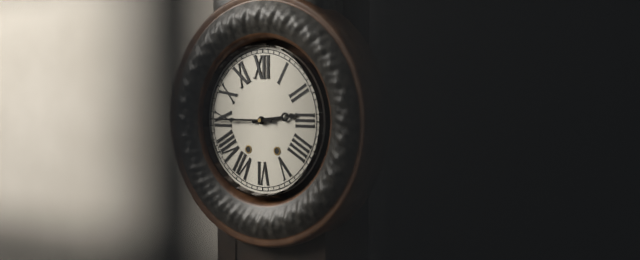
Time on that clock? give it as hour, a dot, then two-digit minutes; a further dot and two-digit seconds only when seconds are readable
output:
2.45
